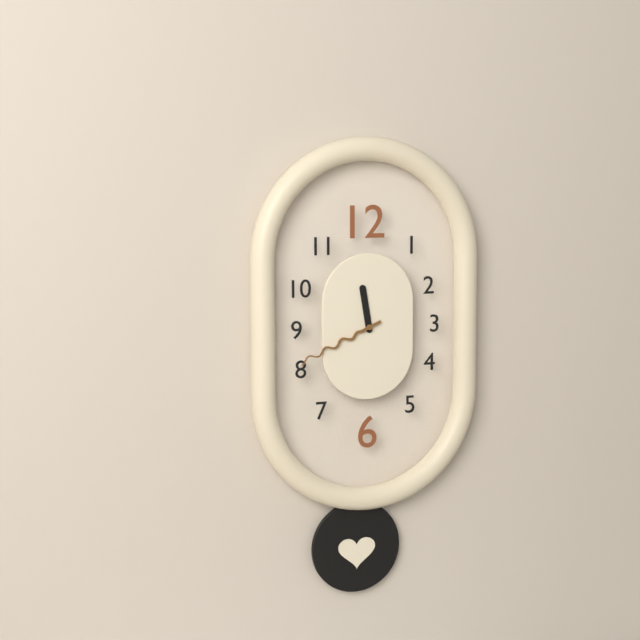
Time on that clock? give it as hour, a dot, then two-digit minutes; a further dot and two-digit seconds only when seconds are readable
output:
11.41
